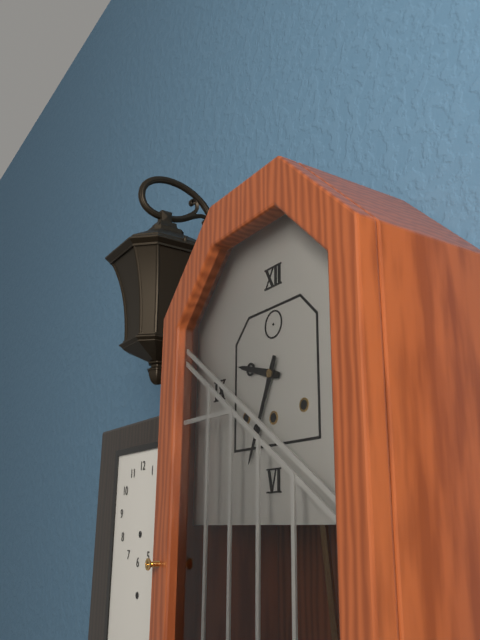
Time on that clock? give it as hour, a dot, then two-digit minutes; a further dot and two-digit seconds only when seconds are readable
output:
9.34
